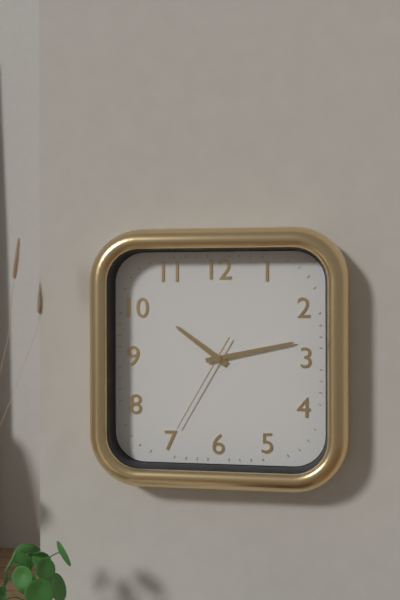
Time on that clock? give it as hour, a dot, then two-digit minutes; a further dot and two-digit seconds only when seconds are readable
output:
10.13.35
